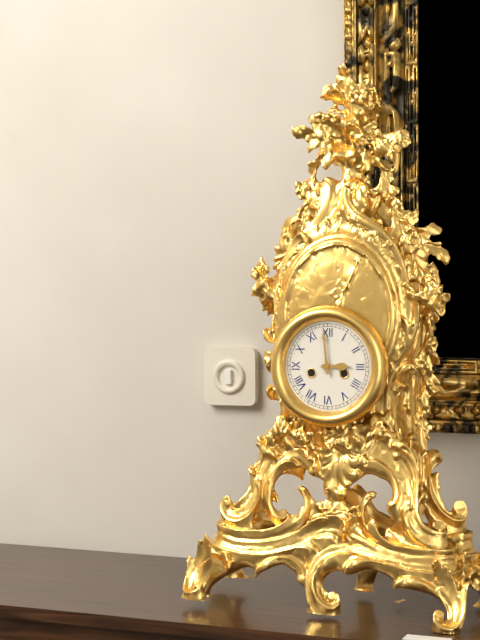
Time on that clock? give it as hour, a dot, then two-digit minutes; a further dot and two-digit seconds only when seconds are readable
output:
2.59
